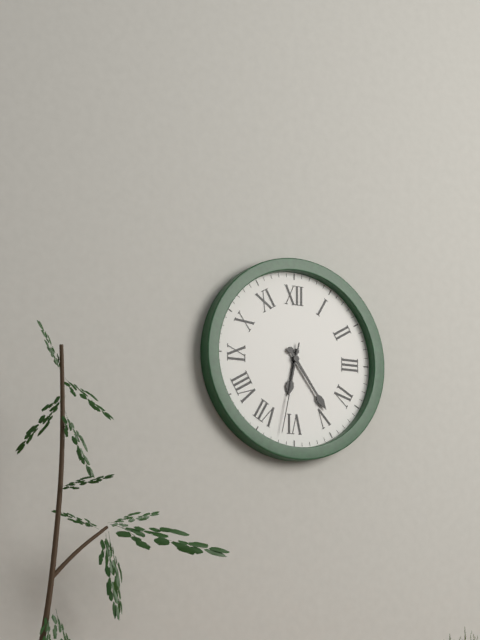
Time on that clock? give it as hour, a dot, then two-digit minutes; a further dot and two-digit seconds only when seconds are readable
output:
6.24.32
